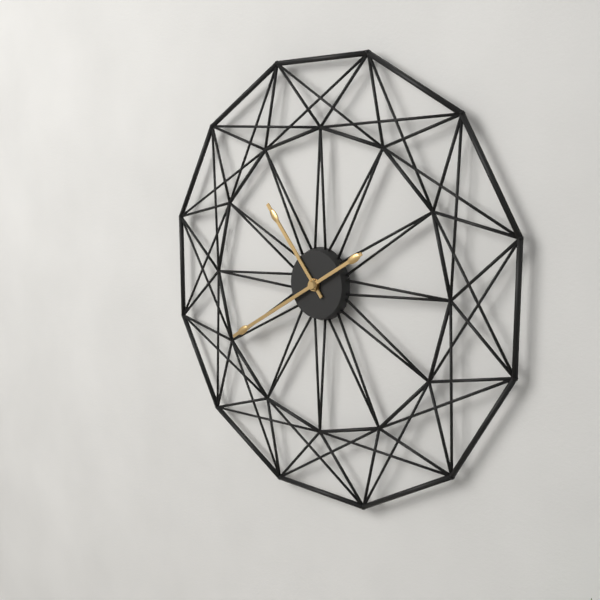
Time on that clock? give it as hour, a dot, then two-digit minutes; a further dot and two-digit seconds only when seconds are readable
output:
10.40
